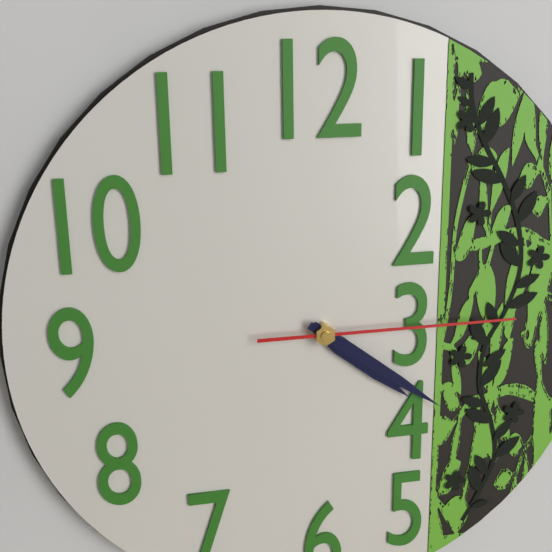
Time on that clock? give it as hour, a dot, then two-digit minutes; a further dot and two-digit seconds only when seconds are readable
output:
4.21.15
